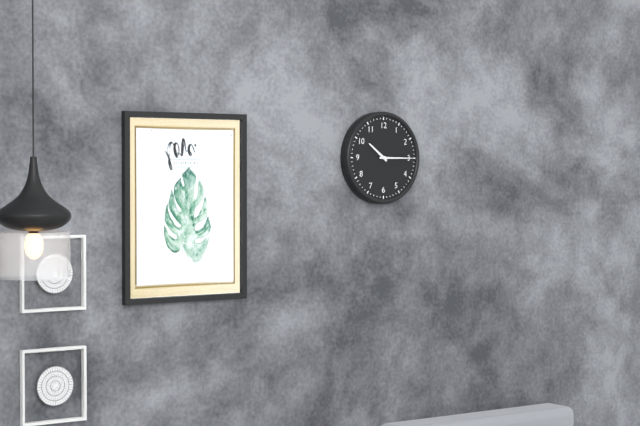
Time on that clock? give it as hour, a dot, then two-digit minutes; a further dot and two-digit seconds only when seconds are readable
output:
10.15
